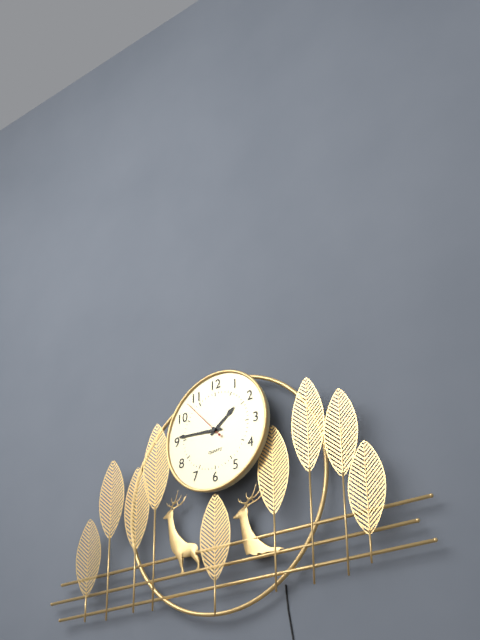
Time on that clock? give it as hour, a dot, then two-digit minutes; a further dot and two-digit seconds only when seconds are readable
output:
1.46
